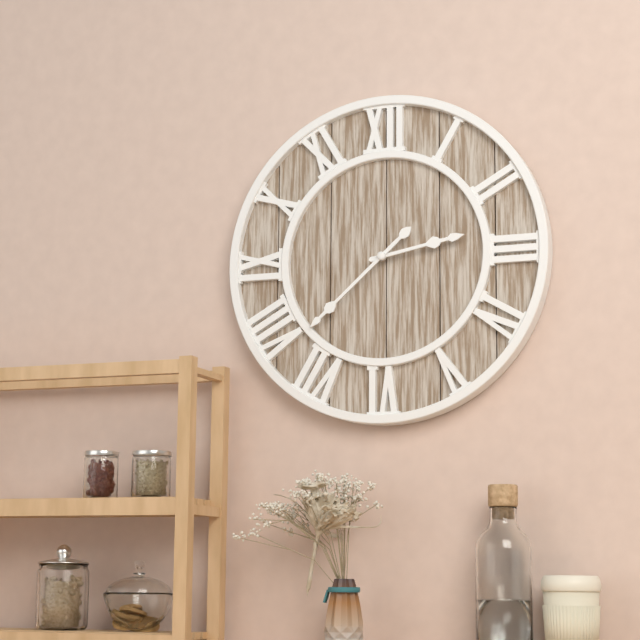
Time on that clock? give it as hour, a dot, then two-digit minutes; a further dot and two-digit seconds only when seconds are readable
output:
2.38
